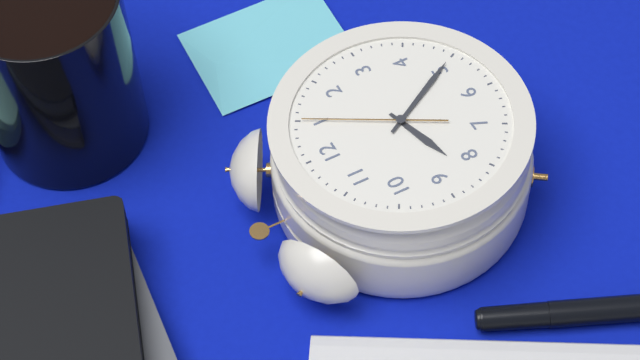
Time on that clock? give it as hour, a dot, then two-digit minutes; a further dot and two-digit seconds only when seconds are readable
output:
8.25.05
